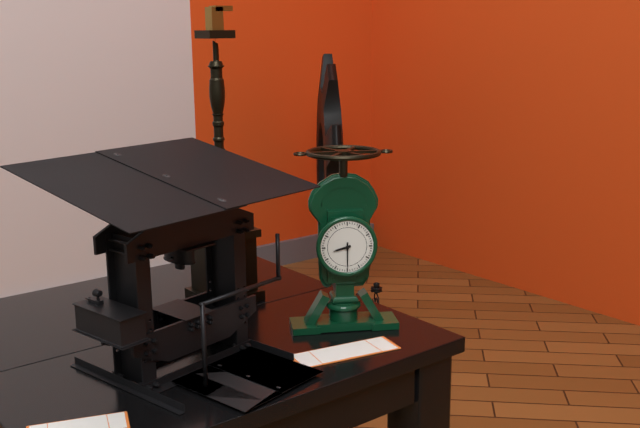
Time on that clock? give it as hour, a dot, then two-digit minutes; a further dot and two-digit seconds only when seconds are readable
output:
8.30
